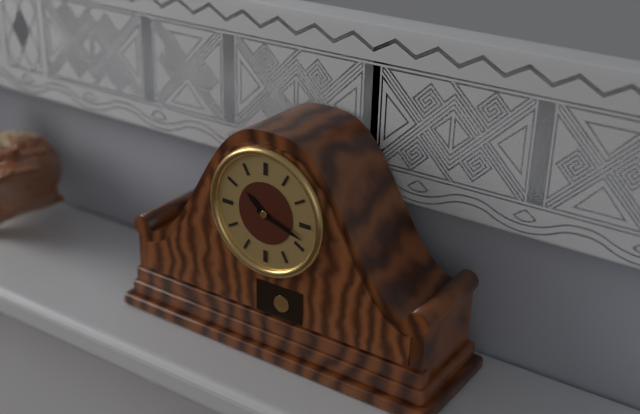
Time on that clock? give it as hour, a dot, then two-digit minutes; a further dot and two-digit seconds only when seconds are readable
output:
10.18
